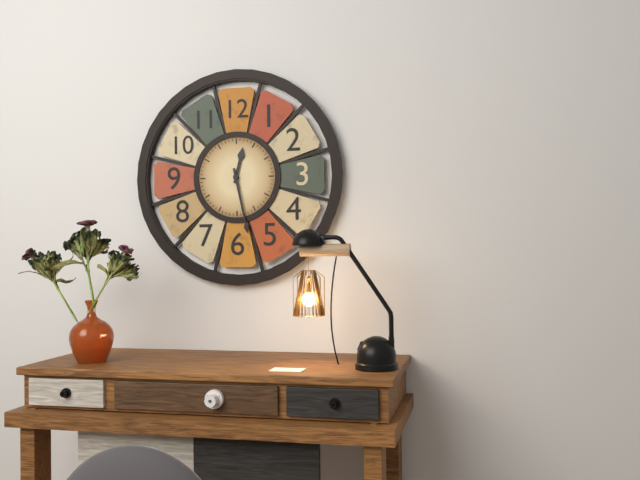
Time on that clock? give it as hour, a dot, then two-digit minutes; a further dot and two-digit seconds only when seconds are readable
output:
12.28
